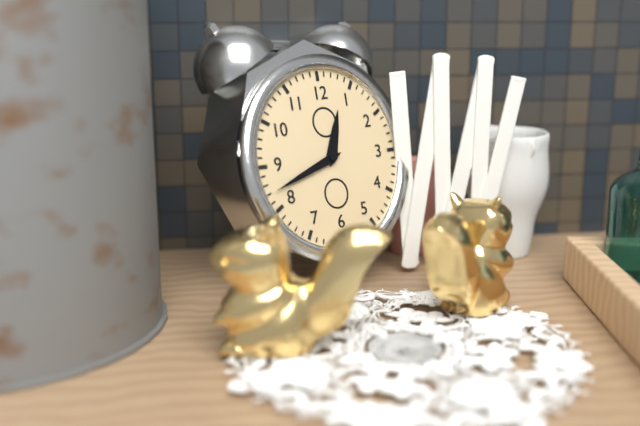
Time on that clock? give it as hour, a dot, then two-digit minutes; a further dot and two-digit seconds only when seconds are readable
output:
12.42
